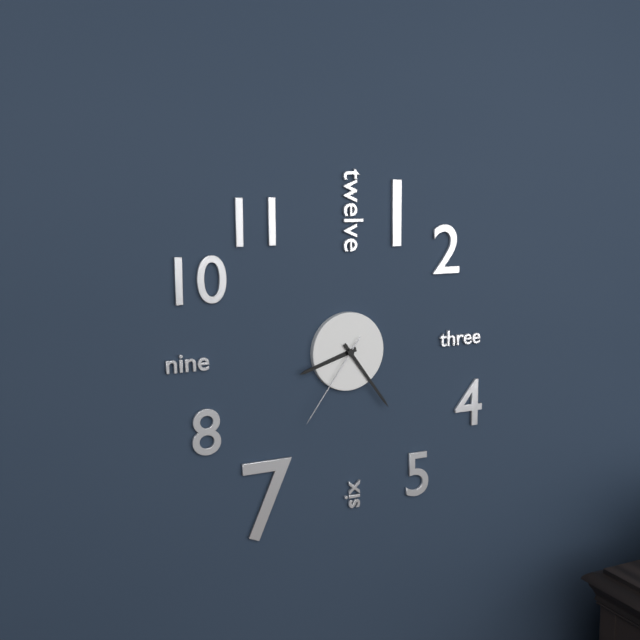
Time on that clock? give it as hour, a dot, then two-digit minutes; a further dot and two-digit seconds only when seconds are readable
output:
8.24.36
